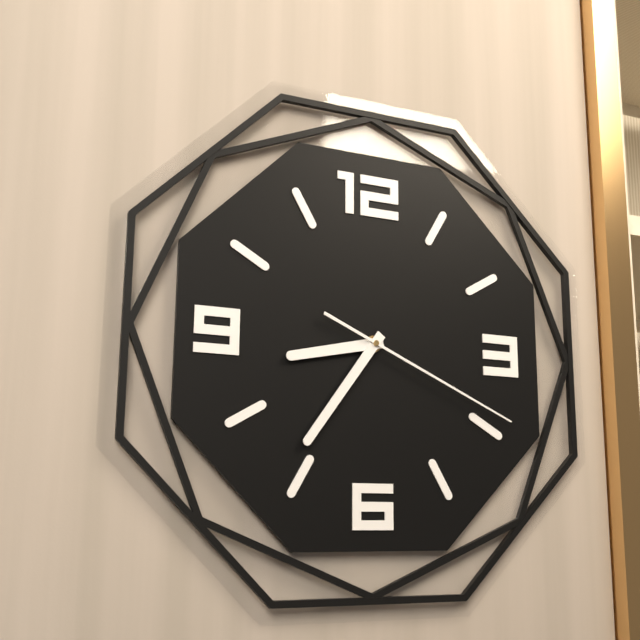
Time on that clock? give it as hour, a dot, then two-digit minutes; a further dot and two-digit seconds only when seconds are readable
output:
8.36.19
